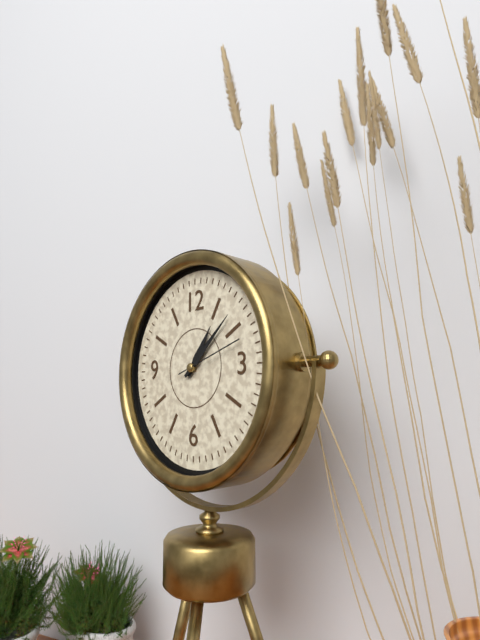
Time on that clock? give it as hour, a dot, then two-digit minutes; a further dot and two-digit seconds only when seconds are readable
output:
1.08.12
